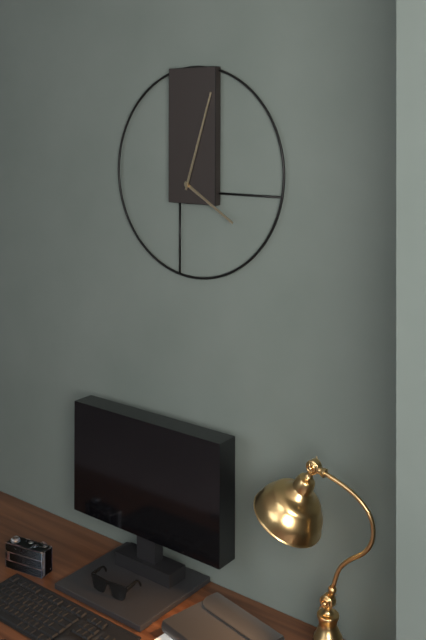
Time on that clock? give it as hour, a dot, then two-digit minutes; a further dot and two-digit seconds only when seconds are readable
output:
4.03
